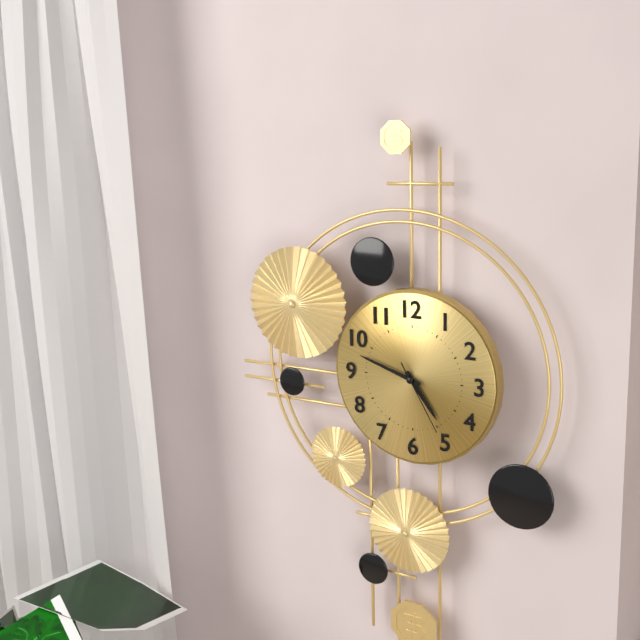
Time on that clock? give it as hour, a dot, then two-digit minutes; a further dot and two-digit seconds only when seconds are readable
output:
4.48.25
